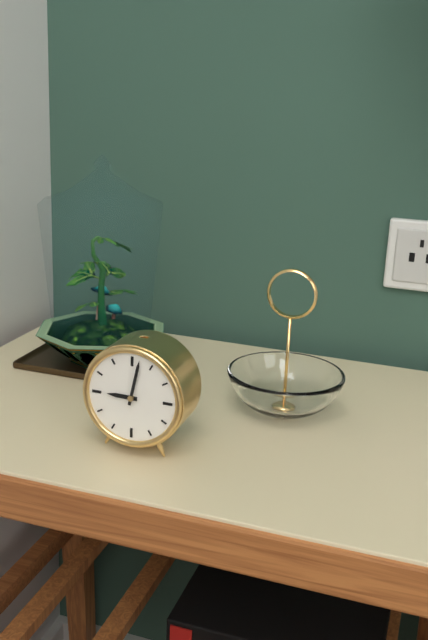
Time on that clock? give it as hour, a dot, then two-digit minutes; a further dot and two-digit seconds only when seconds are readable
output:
9.02
